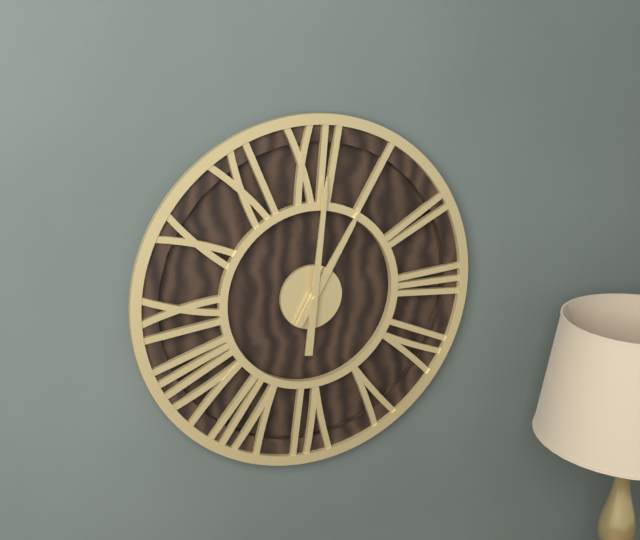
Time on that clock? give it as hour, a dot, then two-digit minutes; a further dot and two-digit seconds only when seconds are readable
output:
1.01
